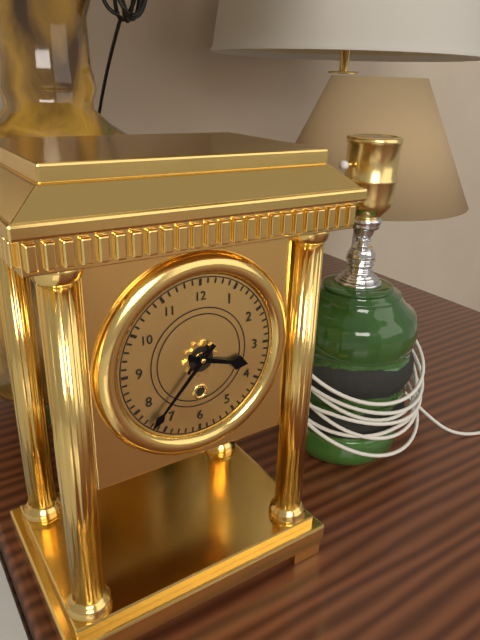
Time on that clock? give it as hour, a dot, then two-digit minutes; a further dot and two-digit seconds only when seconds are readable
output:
3.37
